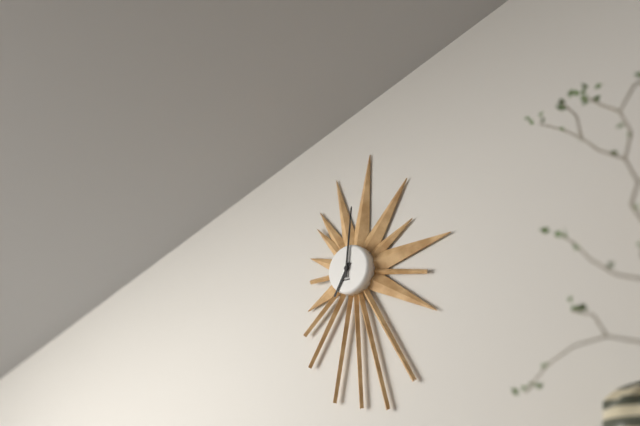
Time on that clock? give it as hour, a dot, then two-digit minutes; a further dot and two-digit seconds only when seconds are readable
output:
7.01
